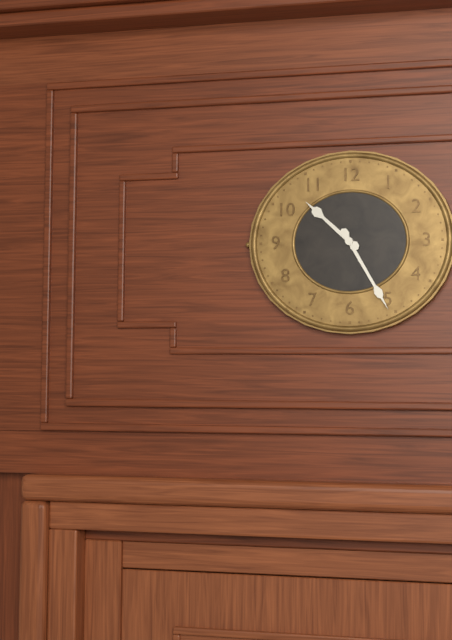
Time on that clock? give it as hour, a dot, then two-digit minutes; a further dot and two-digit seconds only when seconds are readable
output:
10.25
